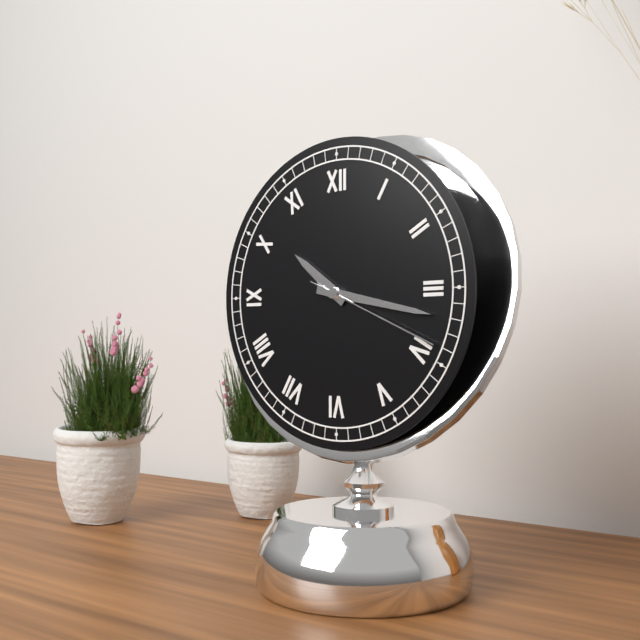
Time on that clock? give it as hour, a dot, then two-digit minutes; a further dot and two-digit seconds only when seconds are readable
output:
10.17.19
